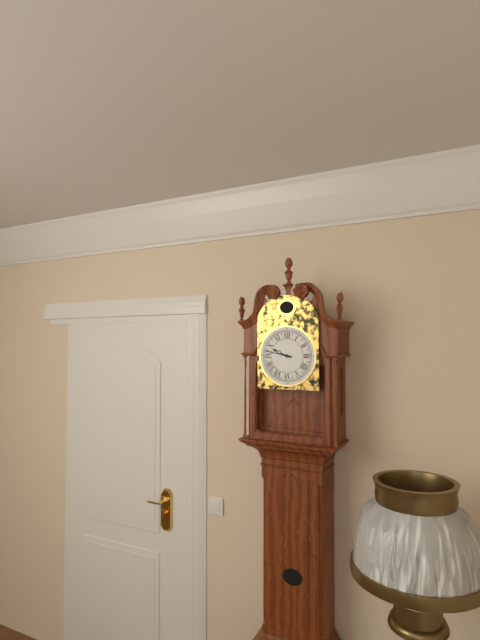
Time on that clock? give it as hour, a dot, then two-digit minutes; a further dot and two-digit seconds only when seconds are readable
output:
9.47
